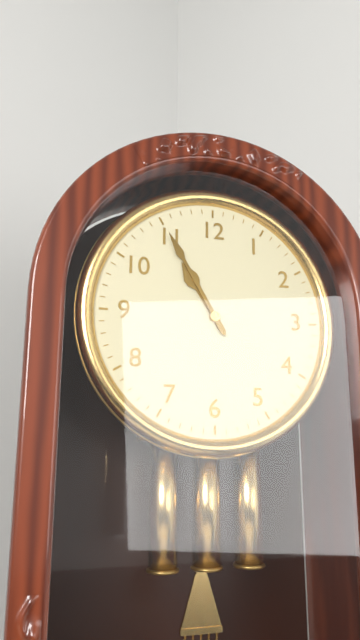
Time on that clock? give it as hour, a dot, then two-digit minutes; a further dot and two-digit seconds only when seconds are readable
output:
10.55
